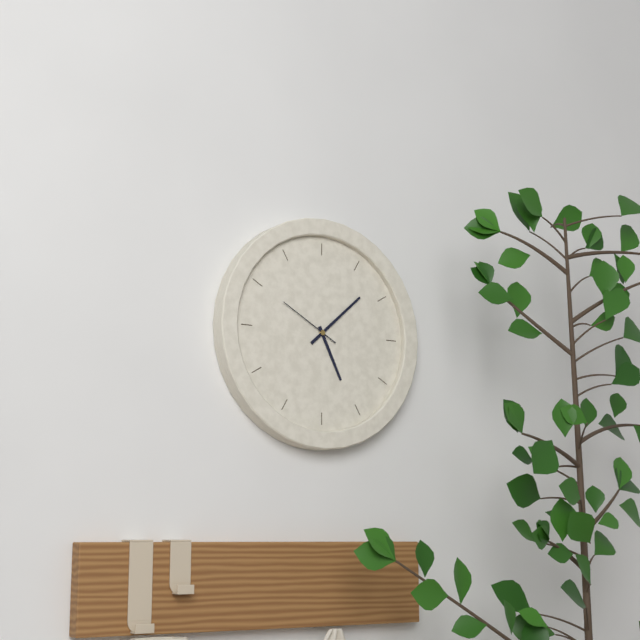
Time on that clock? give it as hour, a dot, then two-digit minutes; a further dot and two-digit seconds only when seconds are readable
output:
5.08.50
